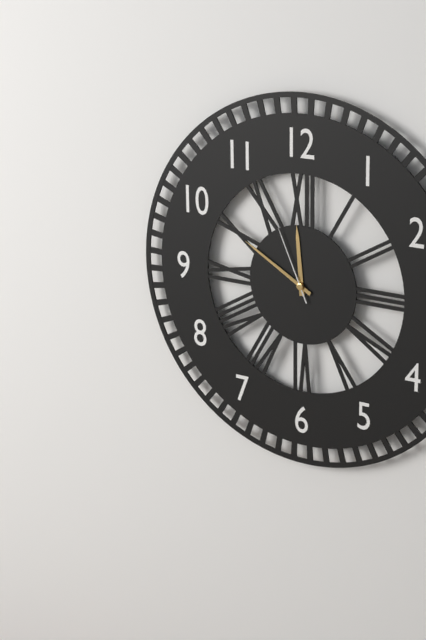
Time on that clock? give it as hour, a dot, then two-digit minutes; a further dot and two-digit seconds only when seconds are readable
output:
11.50.56
